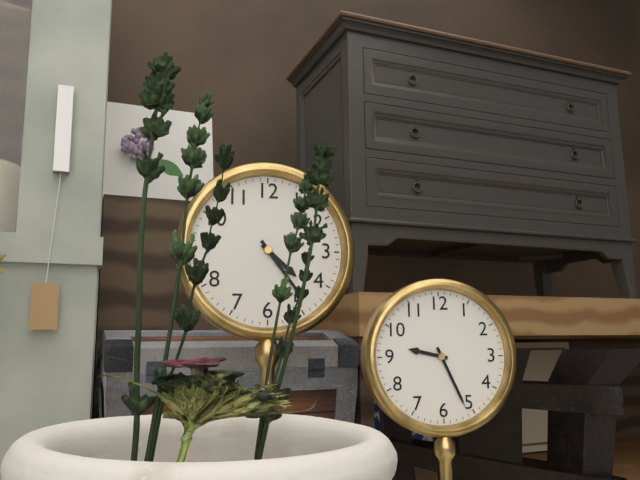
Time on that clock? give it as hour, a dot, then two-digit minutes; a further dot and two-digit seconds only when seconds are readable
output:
4.24
